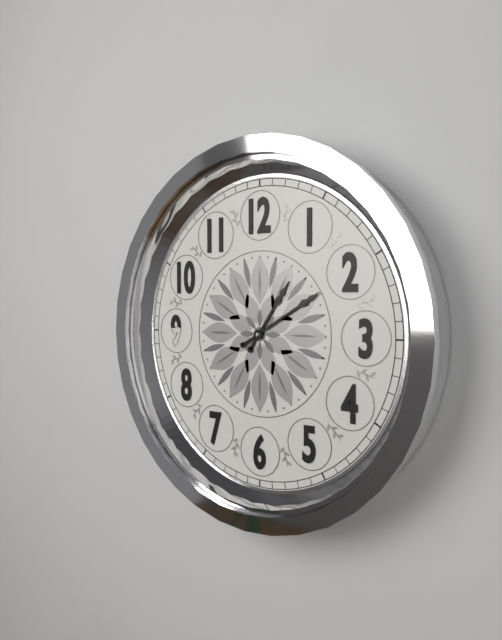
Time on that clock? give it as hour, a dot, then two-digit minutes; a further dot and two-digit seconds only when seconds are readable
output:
1.10
